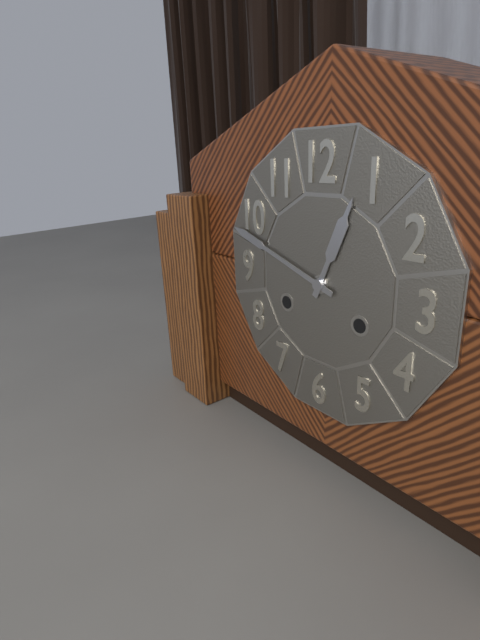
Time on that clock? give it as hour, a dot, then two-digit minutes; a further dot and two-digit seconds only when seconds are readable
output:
12.48
